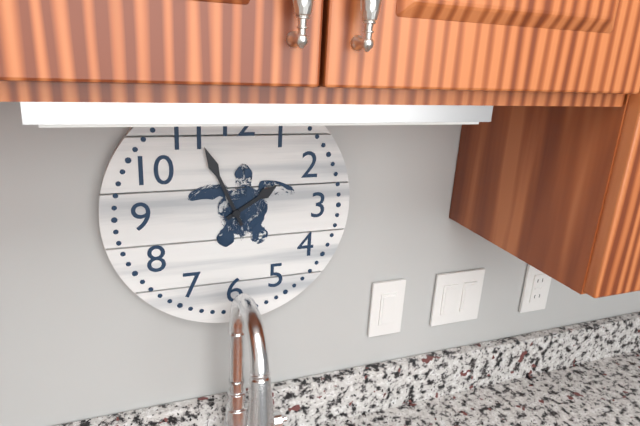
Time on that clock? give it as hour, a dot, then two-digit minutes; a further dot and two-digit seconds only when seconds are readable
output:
1.56
